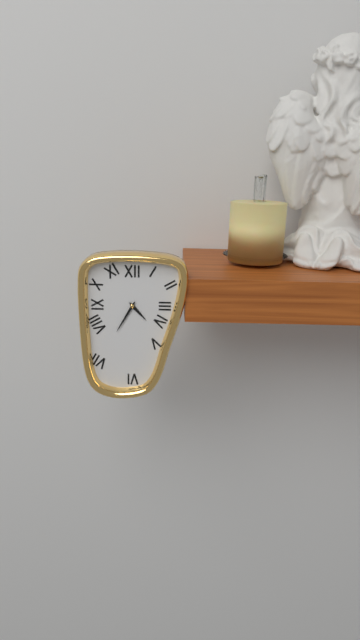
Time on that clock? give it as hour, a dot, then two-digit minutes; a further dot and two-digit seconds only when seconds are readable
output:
4.35
